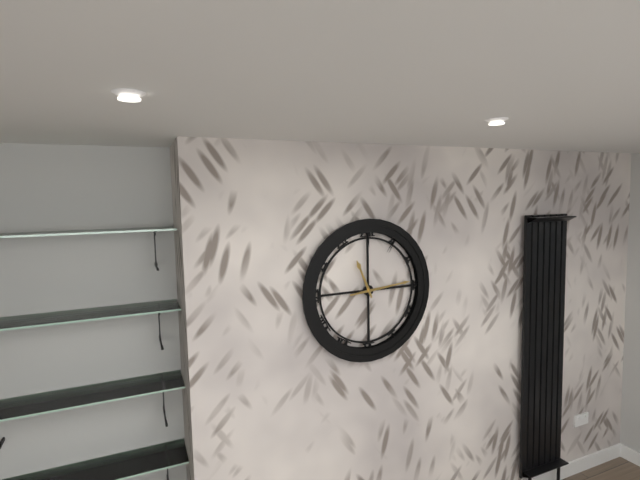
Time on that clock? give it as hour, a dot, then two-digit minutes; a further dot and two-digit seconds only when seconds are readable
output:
11.14
